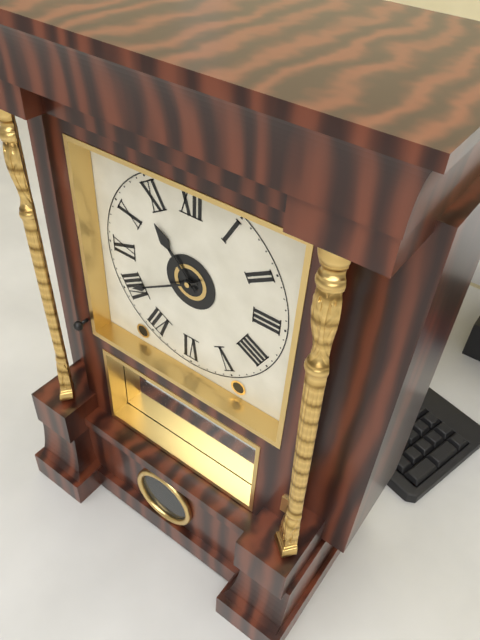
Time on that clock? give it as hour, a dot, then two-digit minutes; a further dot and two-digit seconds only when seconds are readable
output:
10.40
